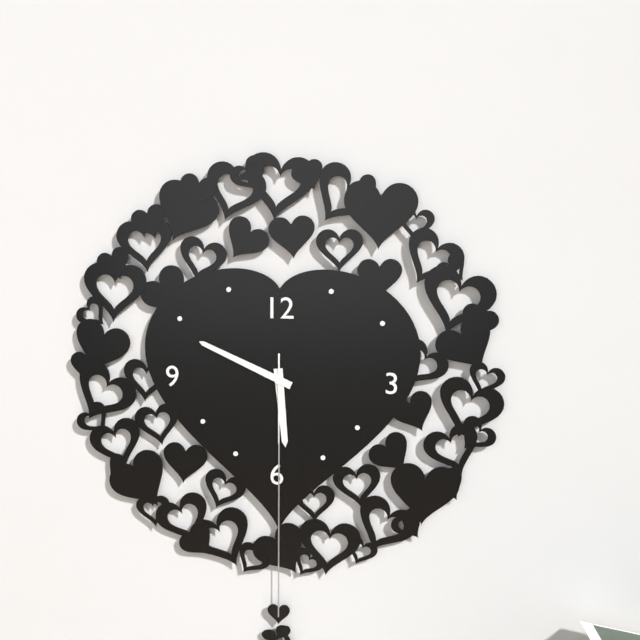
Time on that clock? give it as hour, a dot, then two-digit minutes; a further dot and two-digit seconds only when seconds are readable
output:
5.49.30
